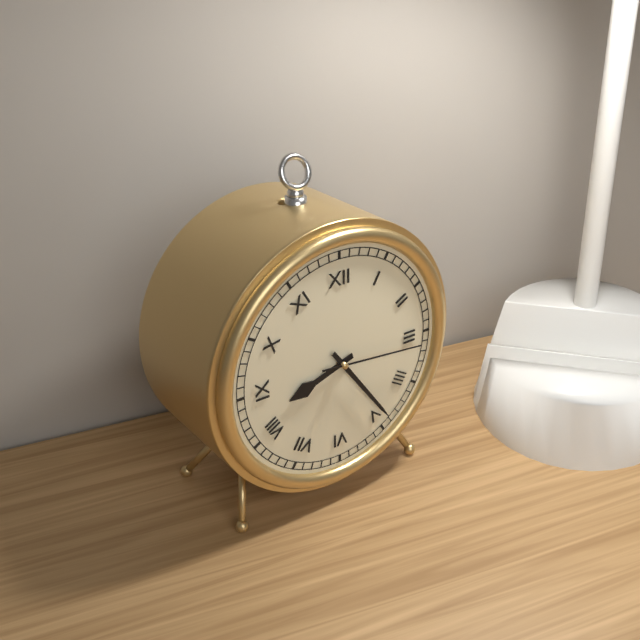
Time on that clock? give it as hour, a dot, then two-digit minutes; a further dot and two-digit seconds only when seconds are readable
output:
8.24.16
